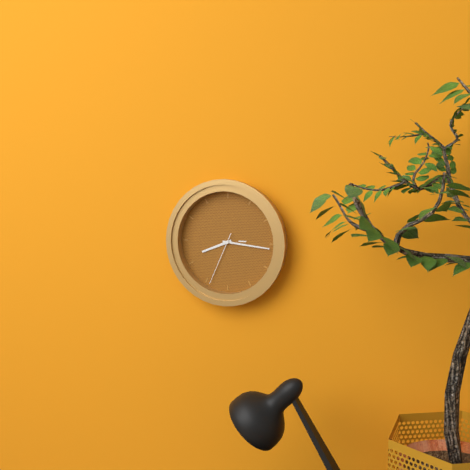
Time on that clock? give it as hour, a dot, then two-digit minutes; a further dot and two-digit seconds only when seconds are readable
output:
8.16.34
